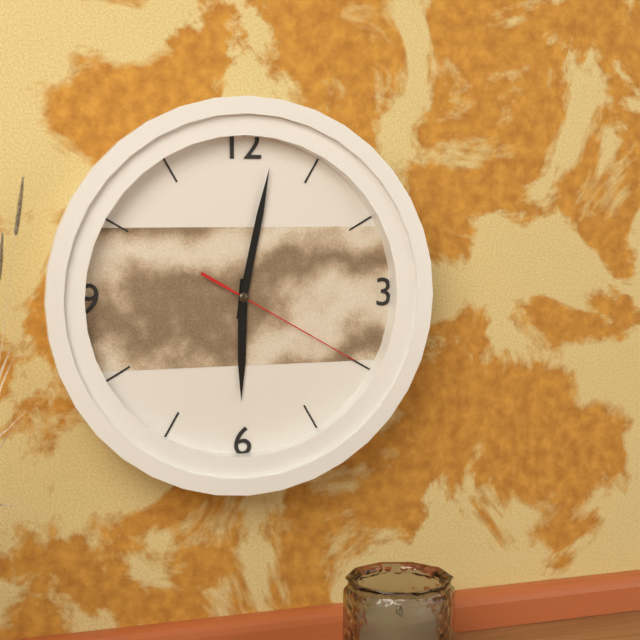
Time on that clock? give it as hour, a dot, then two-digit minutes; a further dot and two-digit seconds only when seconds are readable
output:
6.02.20
